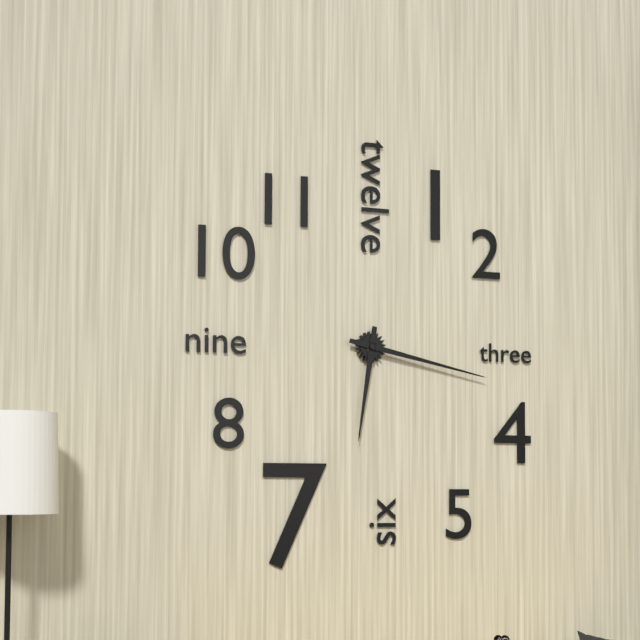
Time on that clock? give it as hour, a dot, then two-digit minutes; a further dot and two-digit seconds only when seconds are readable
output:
6.17
